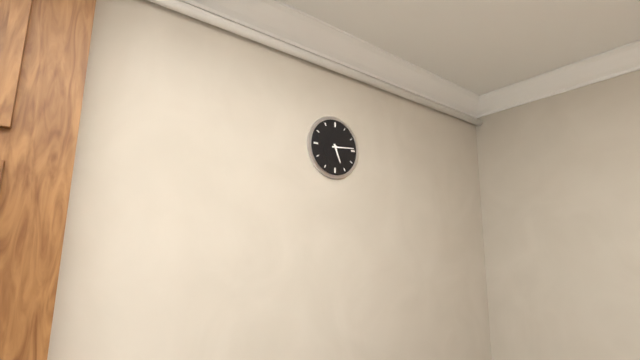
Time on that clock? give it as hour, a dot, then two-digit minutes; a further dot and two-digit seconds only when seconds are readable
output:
5.14
